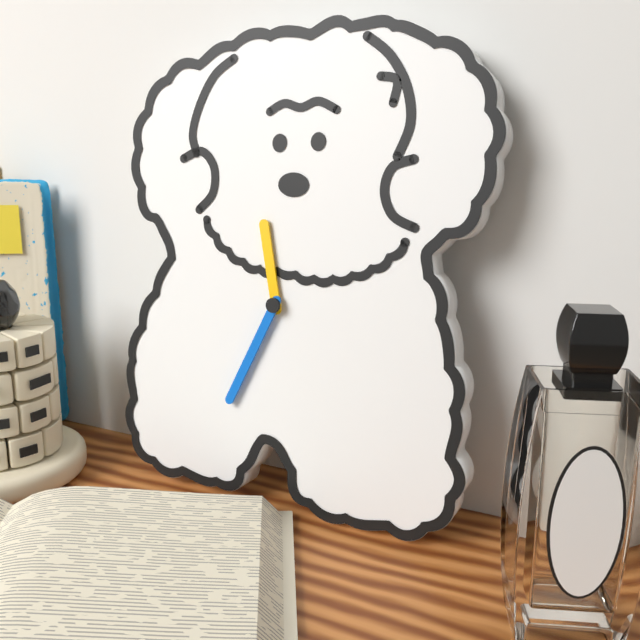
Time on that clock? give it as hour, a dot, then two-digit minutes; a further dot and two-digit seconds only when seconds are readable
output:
11.34
